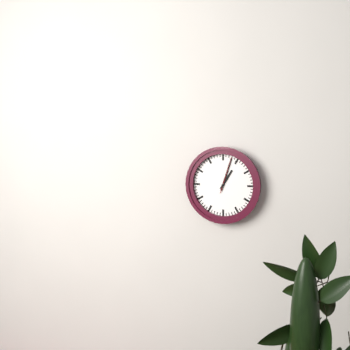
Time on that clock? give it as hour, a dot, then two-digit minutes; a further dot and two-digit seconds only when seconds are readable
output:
1.03
